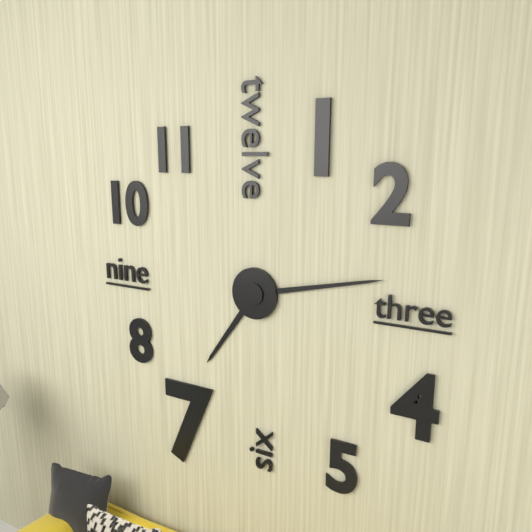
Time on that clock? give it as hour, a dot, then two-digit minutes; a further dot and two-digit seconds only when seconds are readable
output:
7.13
